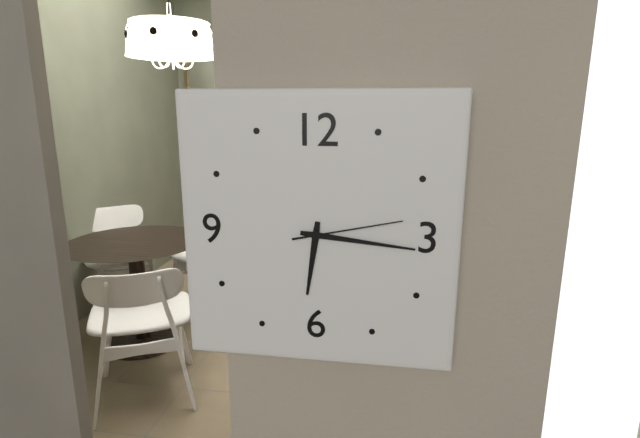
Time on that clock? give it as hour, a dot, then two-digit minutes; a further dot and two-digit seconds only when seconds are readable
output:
6.16.13
